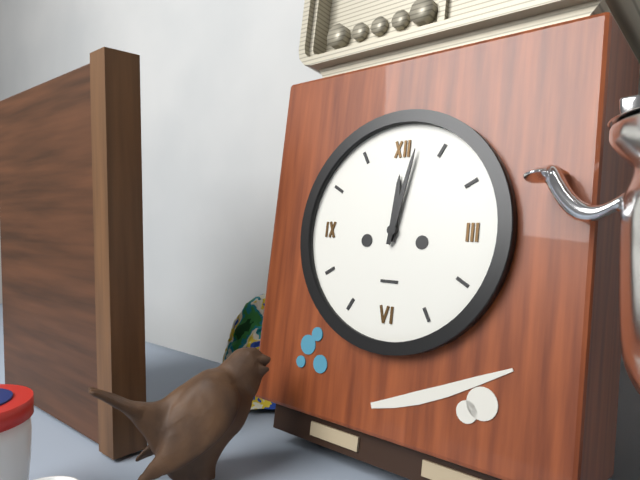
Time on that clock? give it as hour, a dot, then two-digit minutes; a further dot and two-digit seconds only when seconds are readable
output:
12.02
